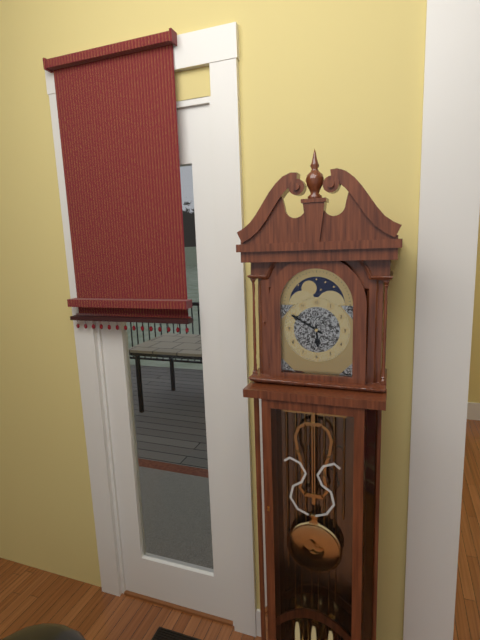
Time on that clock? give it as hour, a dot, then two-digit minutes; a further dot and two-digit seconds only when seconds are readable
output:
5.50
